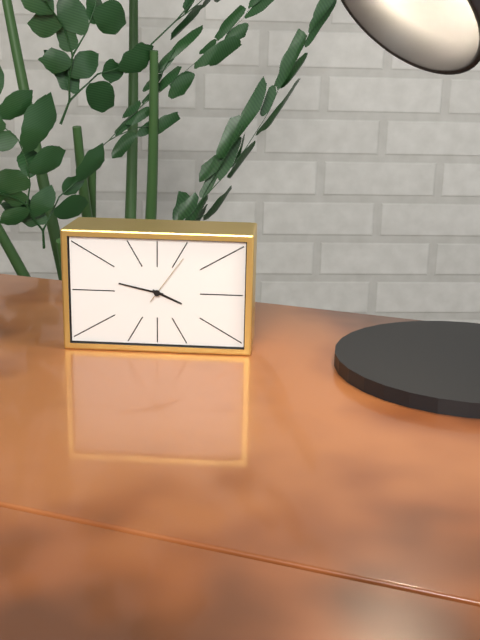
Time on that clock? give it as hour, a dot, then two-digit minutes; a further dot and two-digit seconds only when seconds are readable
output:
3.47.06
